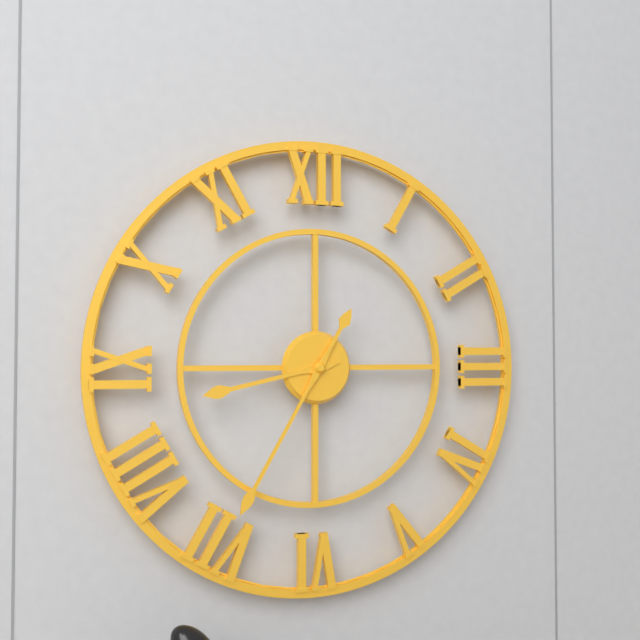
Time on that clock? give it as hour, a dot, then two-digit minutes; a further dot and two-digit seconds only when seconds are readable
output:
8.35
